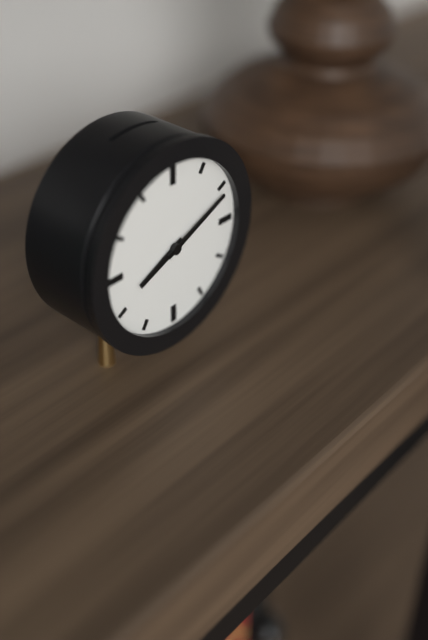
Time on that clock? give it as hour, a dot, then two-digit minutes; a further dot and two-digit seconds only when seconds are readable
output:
8.11
